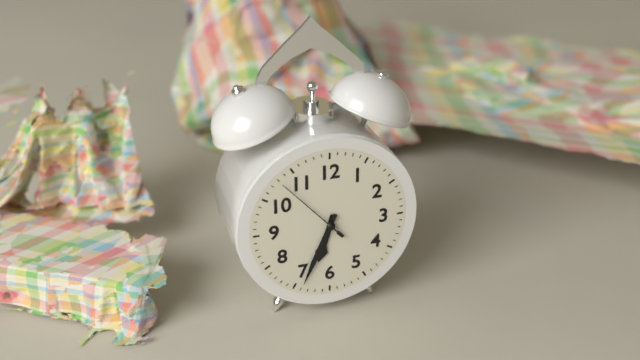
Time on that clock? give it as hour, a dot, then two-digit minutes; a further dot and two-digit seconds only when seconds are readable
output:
6.34.53
